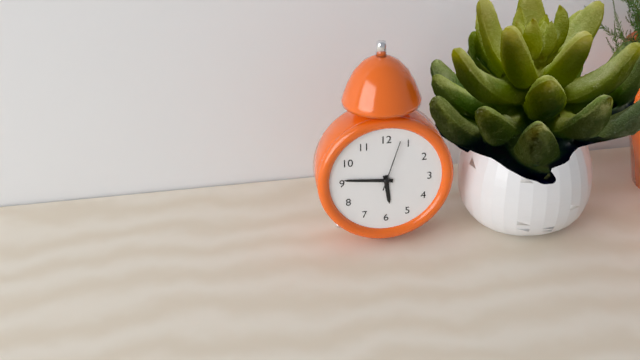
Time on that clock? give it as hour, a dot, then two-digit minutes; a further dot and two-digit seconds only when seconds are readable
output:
5.46.03
